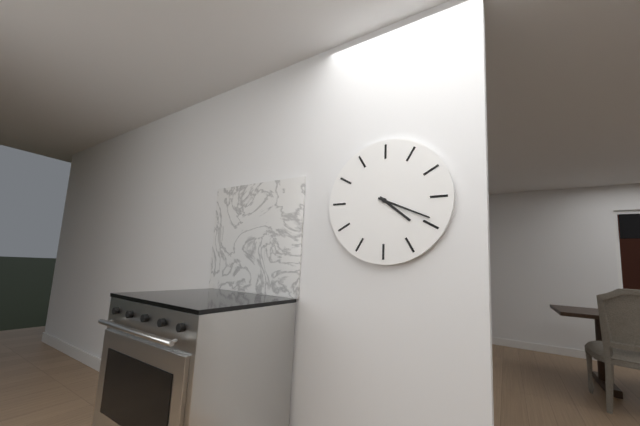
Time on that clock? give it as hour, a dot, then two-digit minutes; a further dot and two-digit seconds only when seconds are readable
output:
4.19
